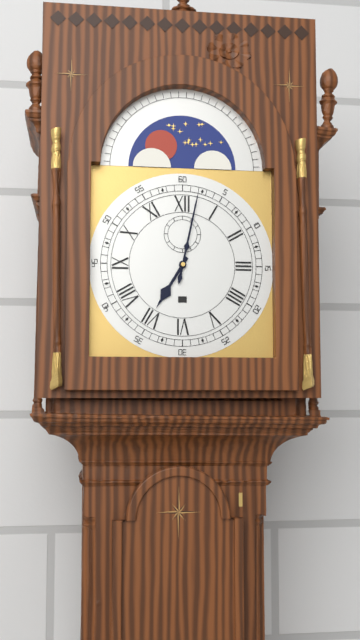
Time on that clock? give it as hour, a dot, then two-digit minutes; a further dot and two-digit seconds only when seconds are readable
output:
7.02
